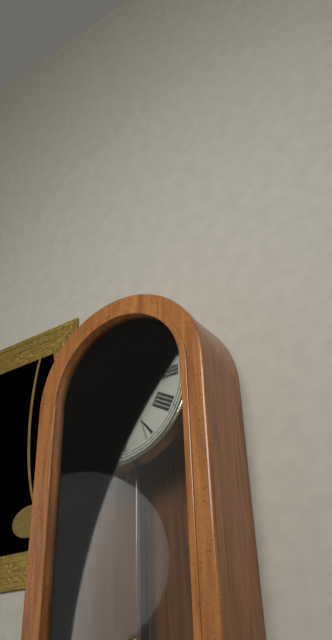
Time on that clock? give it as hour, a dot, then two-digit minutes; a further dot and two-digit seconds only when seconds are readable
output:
7.31
